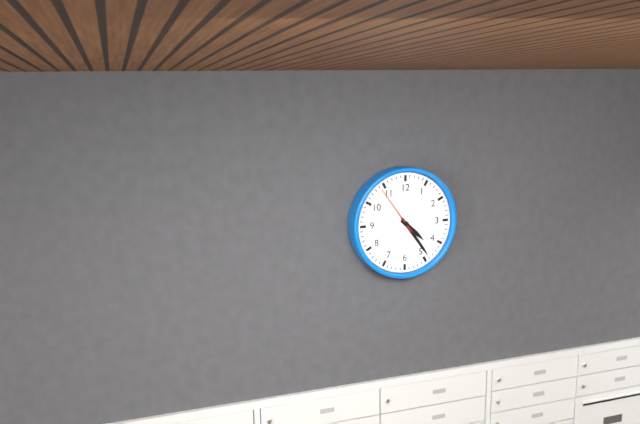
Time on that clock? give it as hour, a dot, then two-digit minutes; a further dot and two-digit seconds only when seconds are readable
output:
4.24
